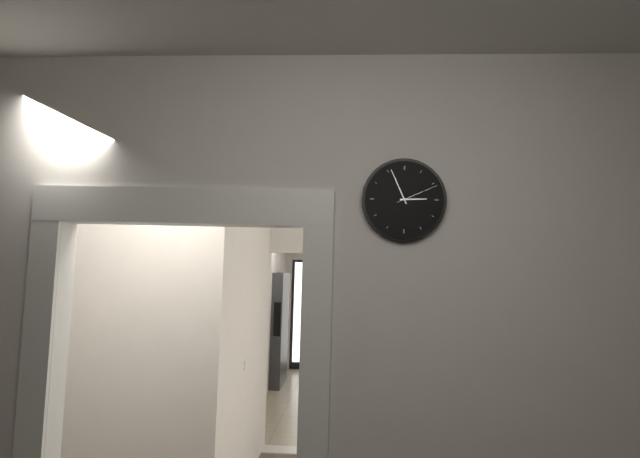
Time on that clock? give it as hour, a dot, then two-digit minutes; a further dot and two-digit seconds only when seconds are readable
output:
2.56
